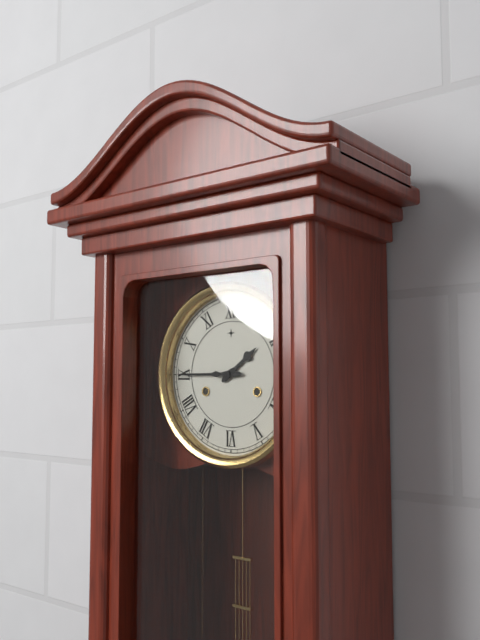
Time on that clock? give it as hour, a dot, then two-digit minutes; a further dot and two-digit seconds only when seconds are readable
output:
1.45
